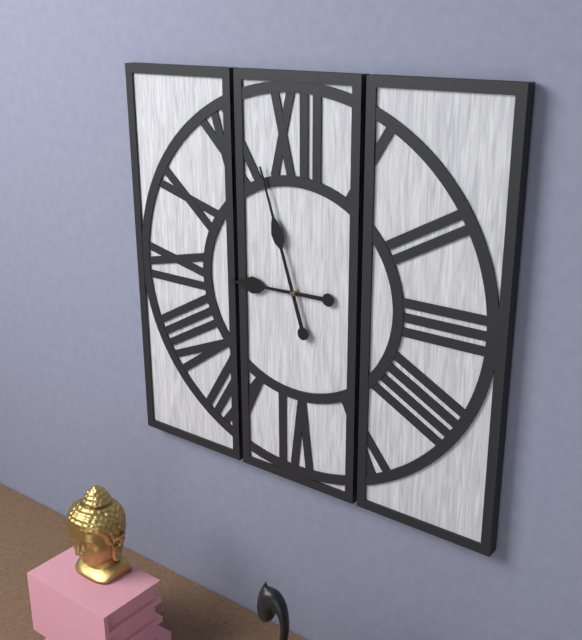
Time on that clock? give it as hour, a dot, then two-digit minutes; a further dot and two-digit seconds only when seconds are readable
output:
8.57
